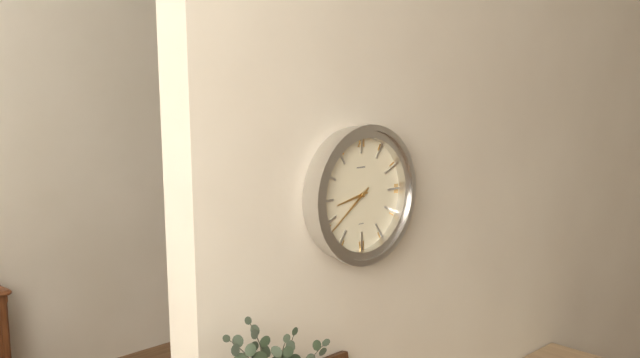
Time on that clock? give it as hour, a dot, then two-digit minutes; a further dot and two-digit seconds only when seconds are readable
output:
8.39
